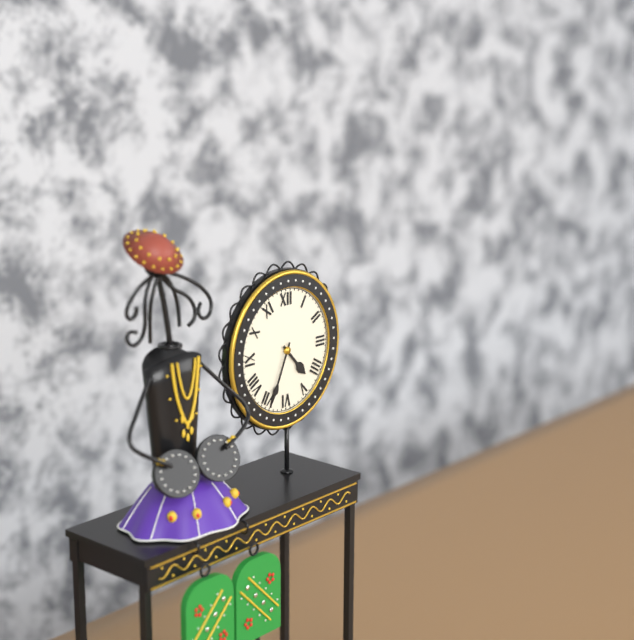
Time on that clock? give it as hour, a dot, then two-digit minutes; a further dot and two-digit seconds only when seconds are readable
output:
4.34
